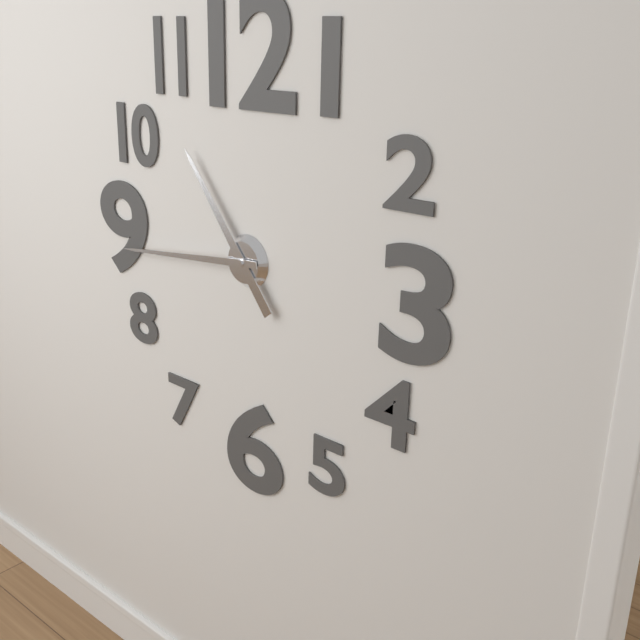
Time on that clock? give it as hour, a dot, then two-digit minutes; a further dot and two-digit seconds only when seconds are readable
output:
10.44
